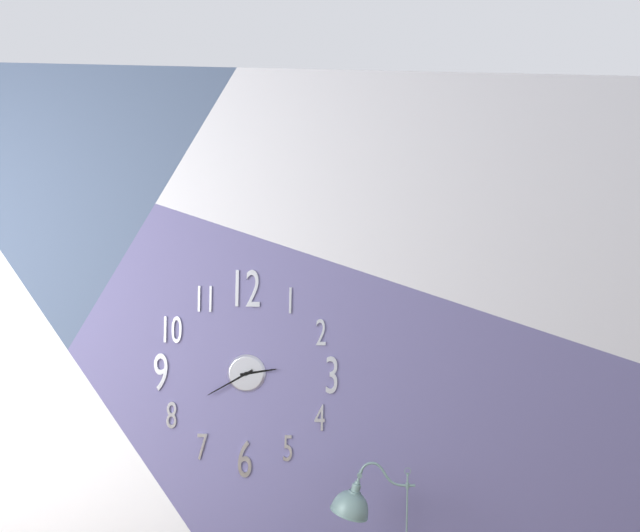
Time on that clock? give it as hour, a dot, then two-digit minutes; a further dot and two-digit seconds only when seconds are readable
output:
2.40
